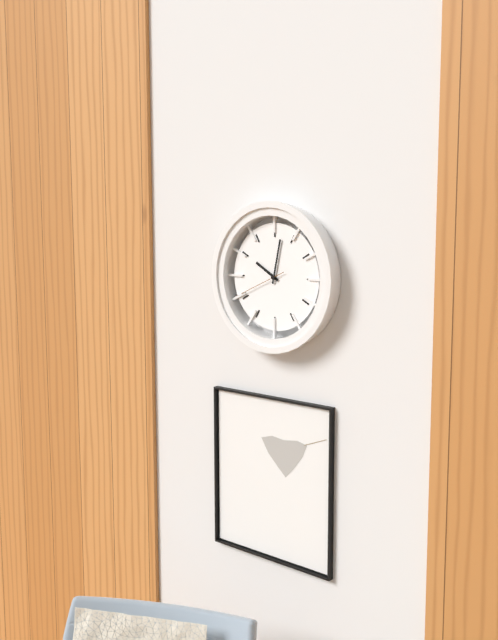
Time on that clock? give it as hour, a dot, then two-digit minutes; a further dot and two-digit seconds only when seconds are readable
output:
10.02
